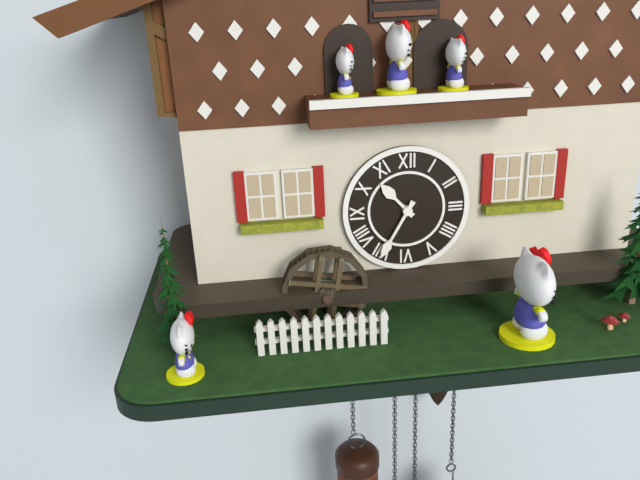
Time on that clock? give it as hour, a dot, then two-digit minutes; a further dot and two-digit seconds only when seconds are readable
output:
10.35
